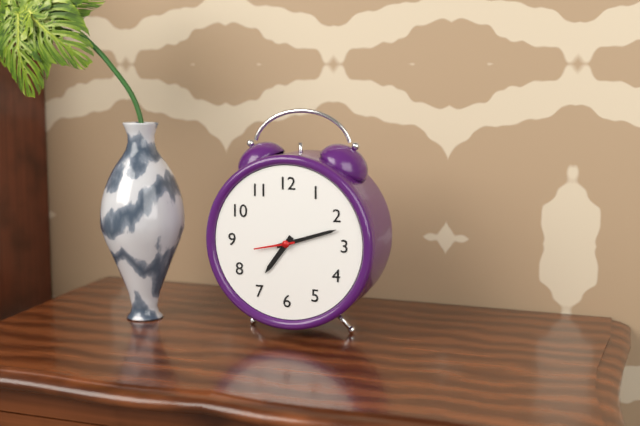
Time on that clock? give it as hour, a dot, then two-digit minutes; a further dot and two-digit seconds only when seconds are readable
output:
7.12
